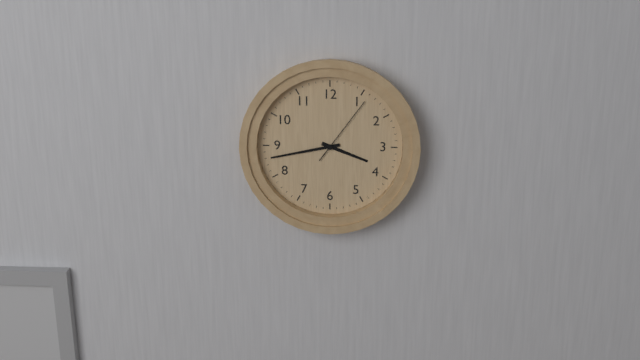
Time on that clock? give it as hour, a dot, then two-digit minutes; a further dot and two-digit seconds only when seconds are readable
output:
3.43.06
